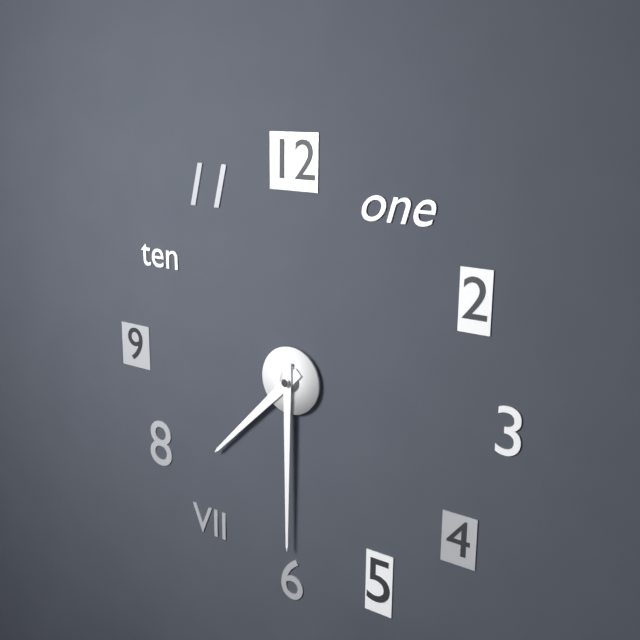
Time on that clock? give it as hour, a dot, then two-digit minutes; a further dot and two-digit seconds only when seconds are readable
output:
7.30
